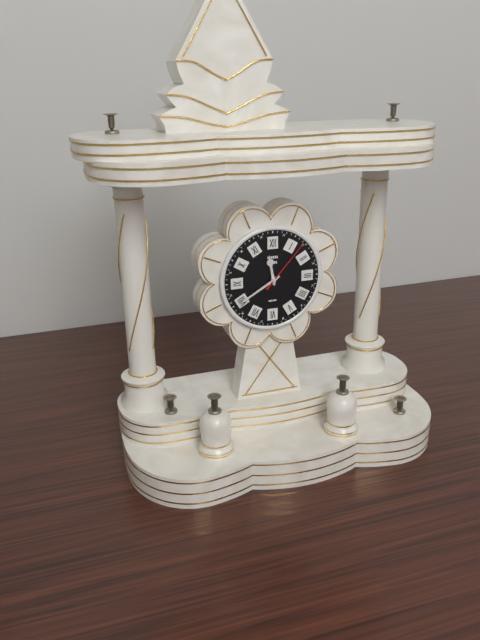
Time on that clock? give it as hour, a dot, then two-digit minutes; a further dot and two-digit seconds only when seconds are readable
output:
11.40.07
